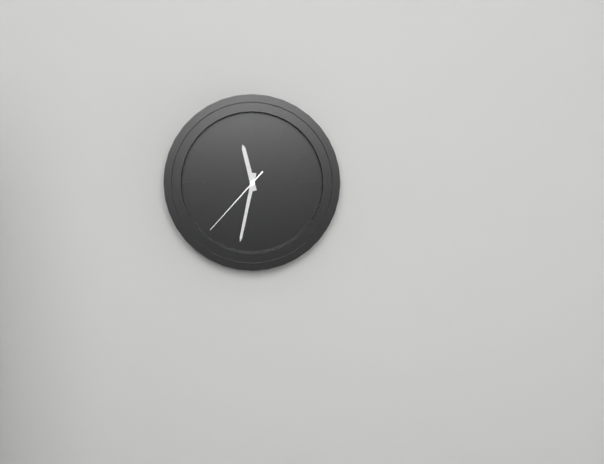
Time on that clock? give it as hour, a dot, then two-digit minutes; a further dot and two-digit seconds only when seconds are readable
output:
11.32.37
